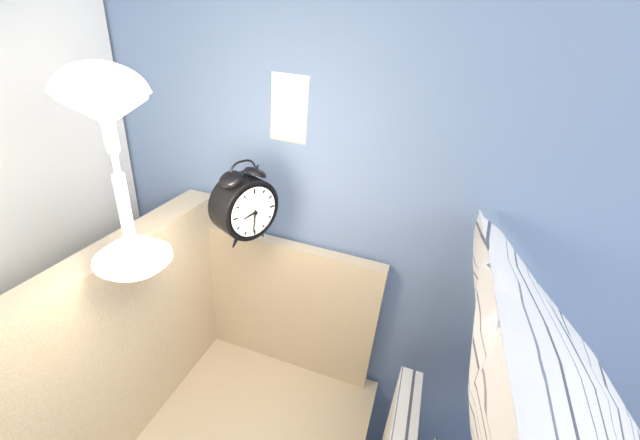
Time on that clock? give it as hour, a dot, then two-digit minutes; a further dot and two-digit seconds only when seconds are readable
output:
8.31
